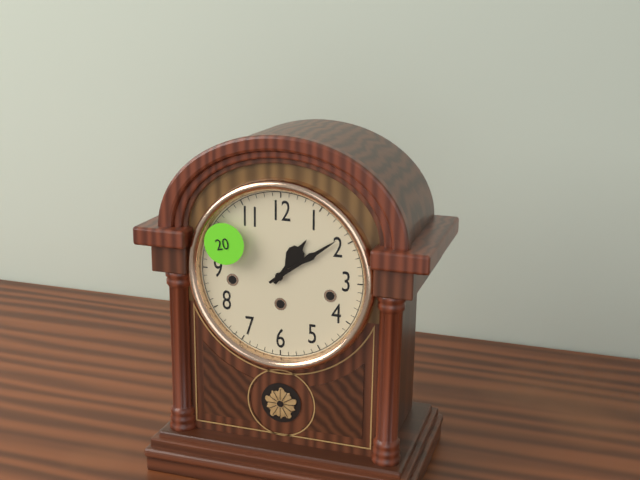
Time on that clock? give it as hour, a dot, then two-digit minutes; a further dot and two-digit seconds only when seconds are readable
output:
1.09
